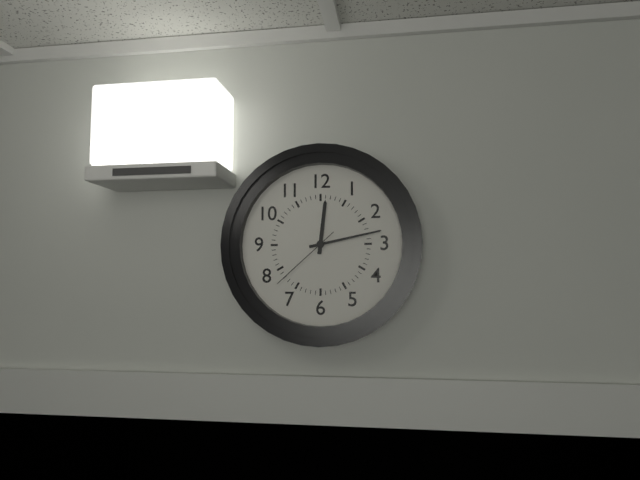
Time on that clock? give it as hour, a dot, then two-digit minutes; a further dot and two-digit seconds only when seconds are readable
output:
12.13.38
